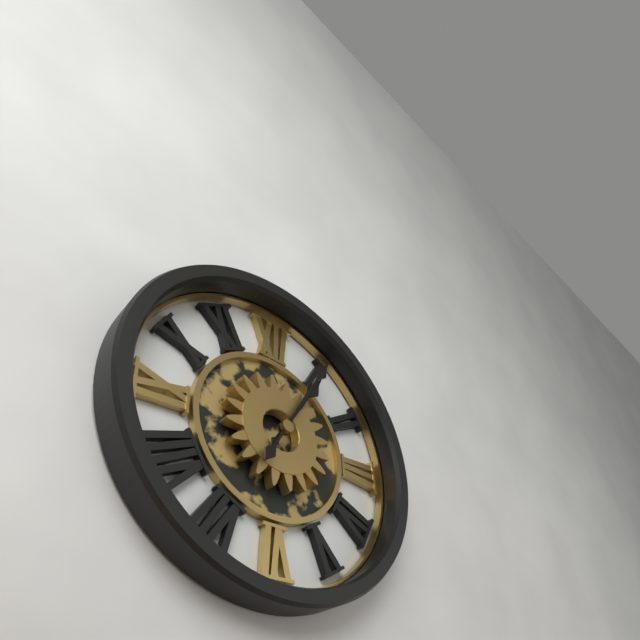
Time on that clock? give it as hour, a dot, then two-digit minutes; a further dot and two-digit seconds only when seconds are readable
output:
1.05
